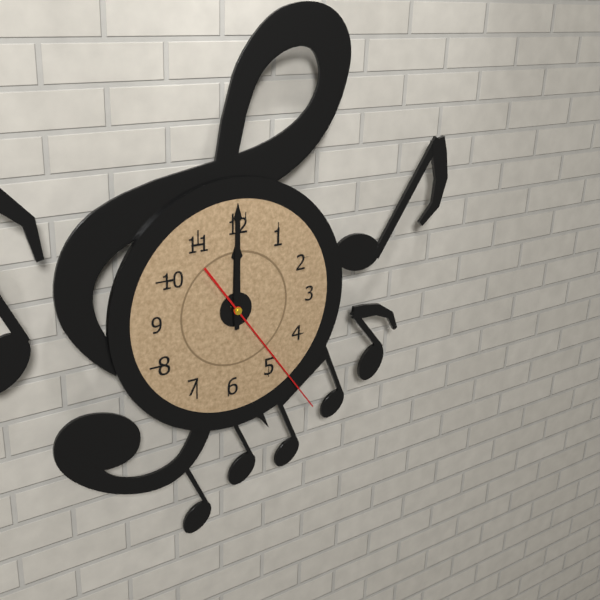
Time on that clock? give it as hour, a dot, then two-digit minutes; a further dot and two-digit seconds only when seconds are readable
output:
12.00.24
